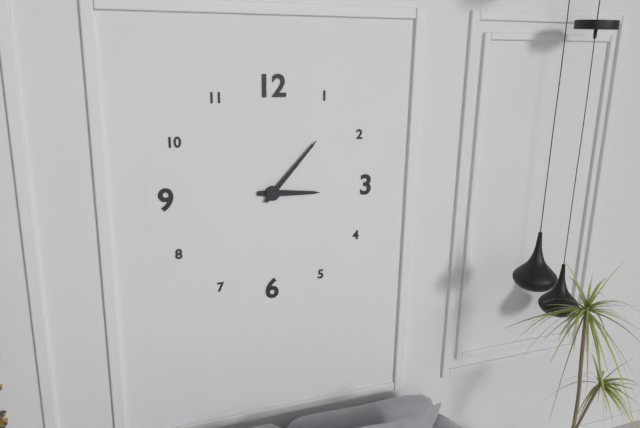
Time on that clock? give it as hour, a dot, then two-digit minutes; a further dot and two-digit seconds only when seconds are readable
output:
3.07
